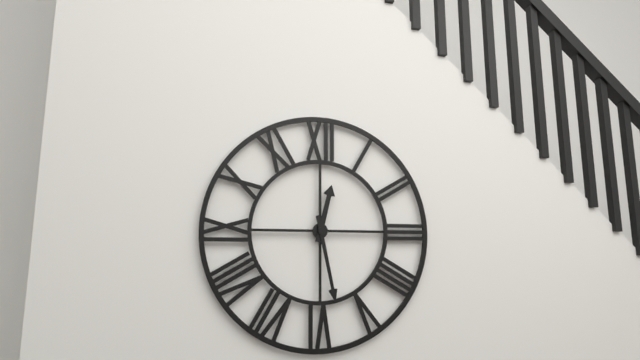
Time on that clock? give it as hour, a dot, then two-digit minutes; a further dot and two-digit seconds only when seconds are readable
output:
12.28
